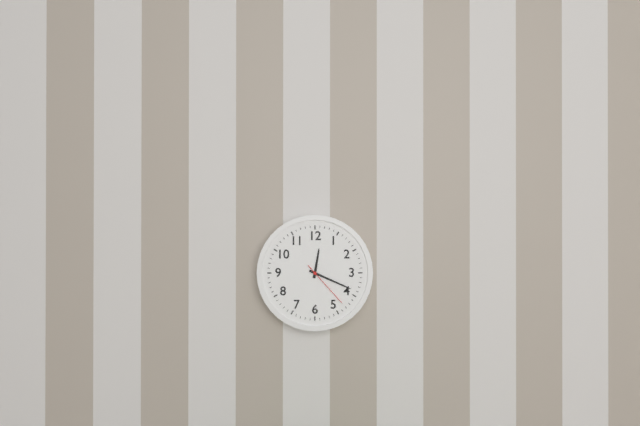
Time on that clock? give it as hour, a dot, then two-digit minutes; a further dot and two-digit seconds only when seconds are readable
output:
12.19.23
